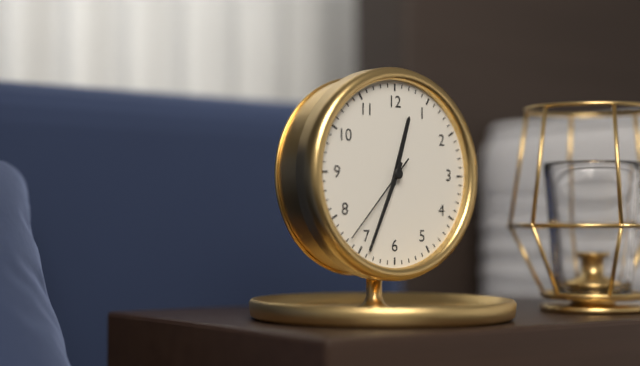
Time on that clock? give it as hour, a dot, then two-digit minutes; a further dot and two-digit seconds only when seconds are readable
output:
12.34.37
